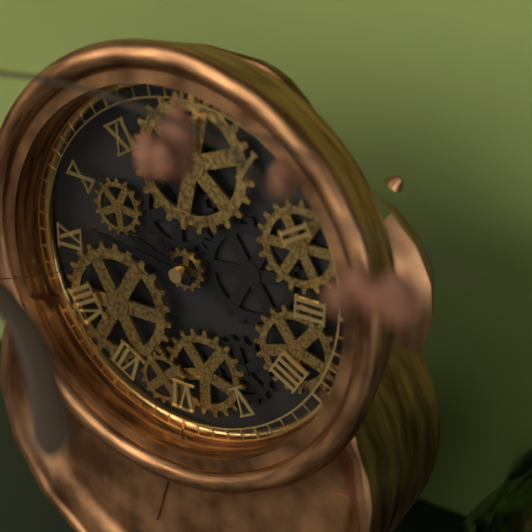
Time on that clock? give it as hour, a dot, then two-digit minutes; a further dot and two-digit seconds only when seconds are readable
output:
9.47
